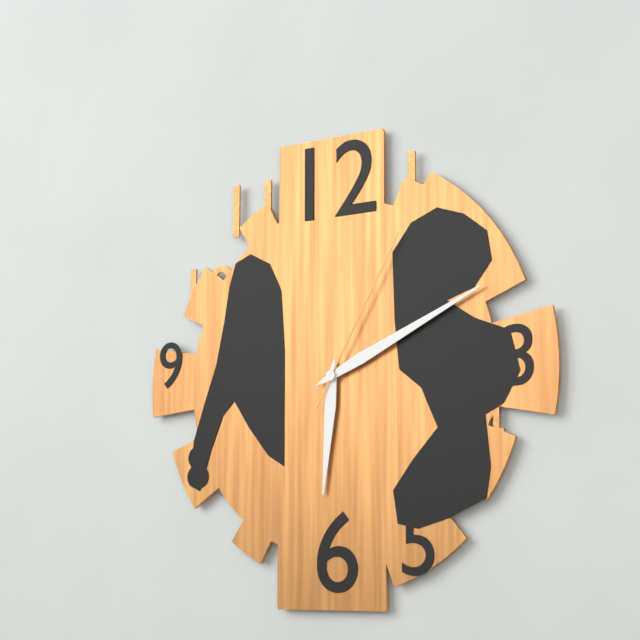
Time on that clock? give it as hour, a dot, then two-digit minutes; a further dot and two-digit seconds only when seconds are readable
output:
6.11.05
